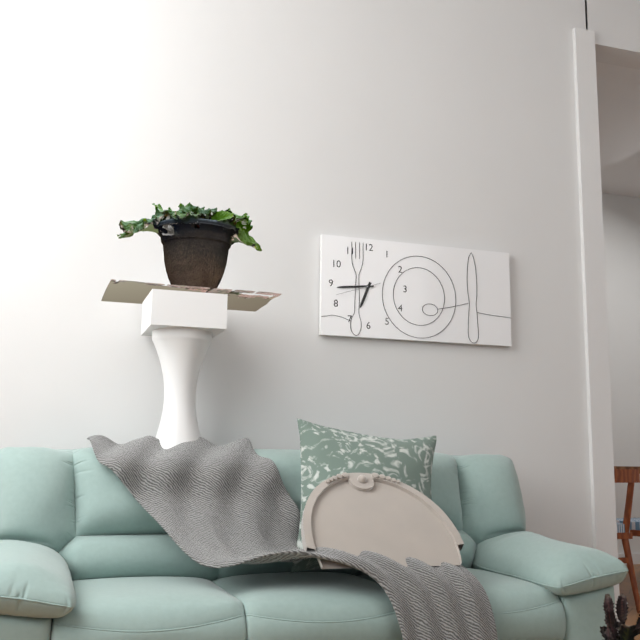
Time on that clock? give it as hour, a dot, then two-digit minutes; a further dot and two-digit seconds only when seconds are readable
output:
6.44
